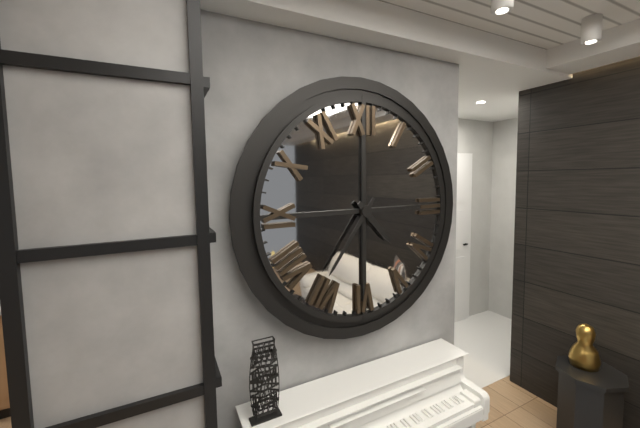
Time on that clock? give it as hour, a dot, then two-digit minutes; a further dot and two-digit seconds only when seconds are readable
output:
4.36
